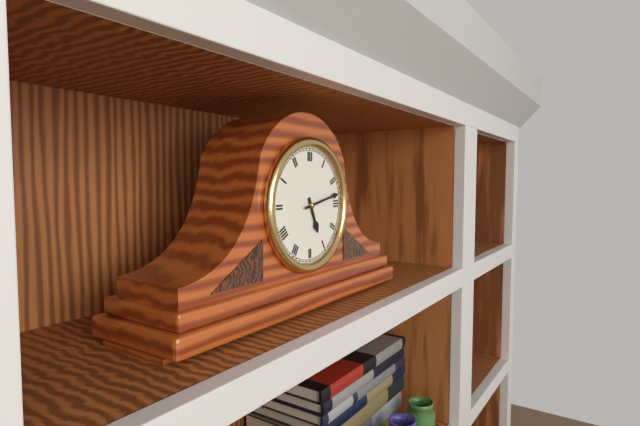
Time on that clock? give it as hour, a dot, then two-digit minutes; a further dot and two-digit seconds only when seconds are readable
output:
5.13
